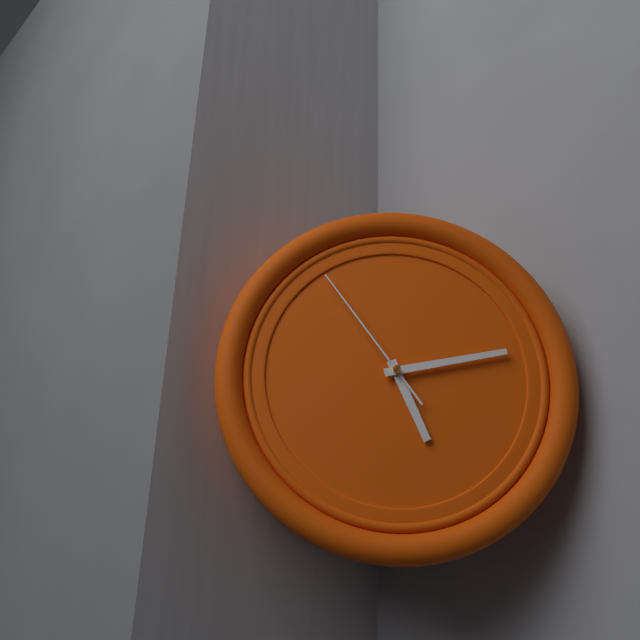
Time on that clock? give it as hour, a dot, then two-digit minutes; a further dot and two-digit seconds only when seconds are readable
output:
5.13.54
